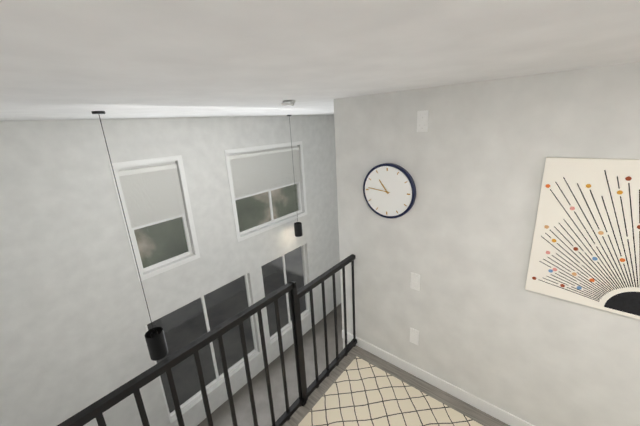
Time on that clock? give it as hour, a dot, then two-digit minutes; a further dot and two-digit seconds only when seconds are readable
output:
10.46
